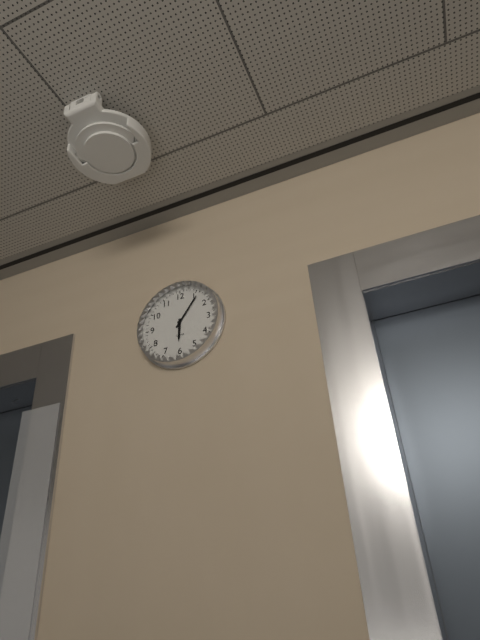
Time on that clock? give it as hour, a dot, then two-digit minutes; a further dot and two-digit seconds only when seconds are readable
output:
6.06
